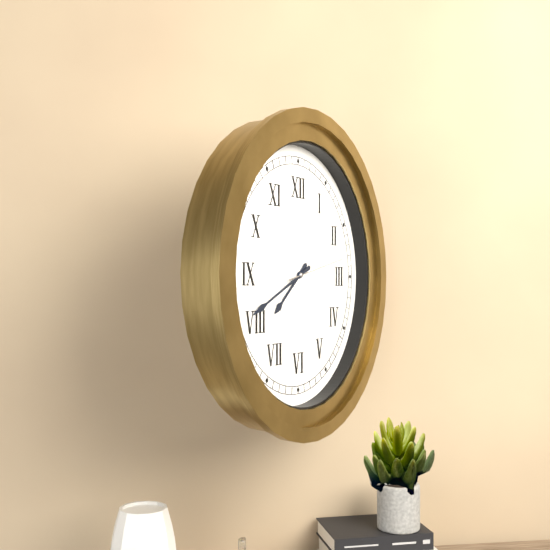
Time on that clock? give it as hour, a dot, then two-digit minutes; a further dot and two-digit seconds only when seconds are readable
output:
7.41.13
